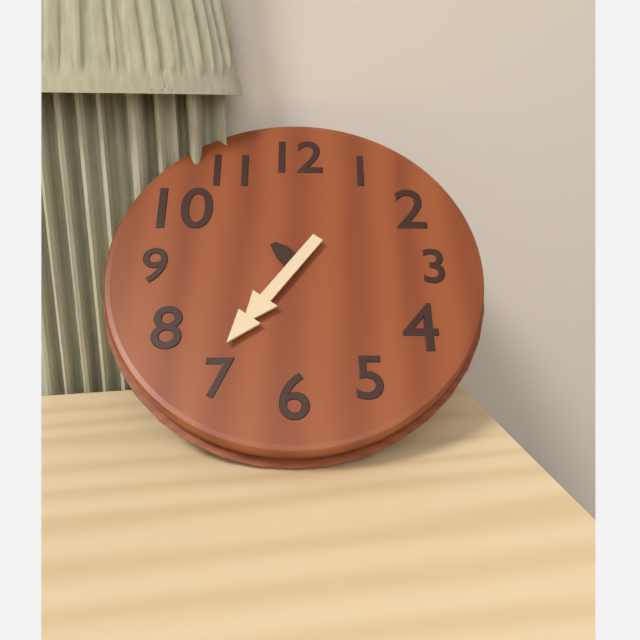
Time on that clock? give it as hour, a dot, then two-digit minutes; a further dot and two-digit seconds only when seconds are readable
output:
10.36
